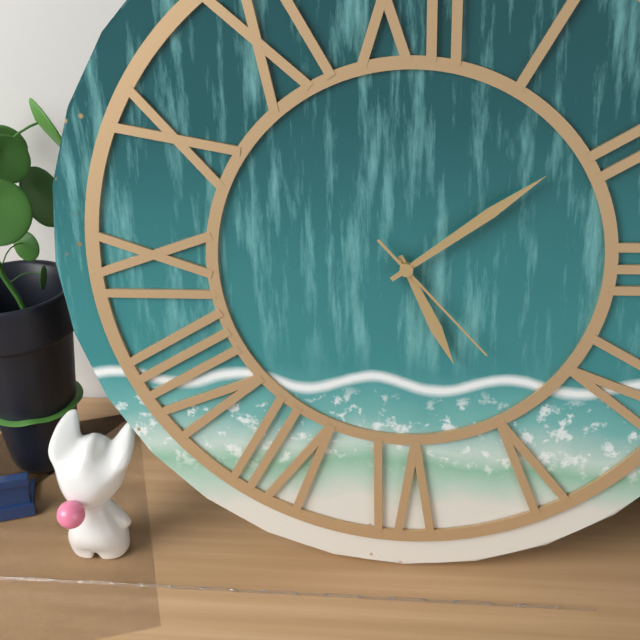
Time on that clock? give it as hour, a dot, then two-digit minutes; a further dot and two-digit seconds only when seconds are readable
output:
5.09.23
